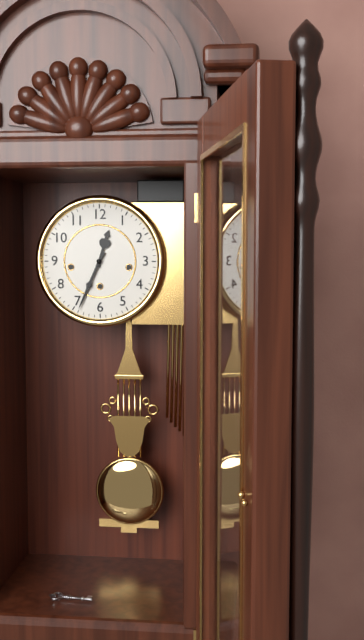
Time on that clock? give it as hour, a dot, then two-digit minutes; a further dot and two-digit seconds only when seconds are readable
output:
12.34
